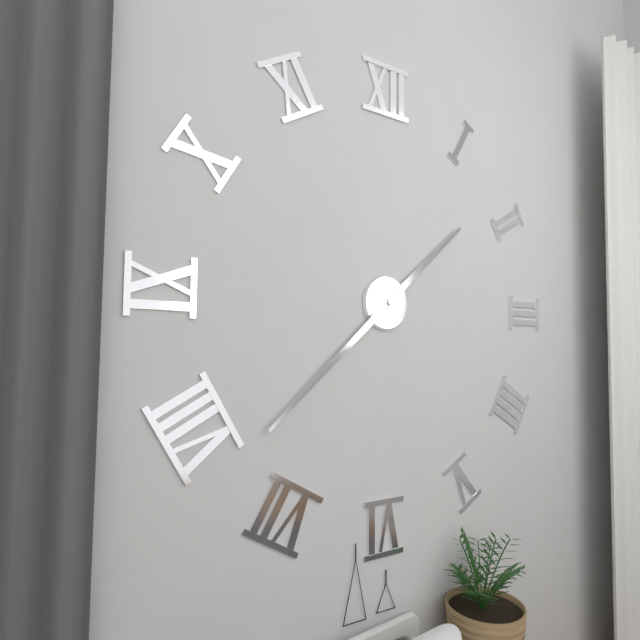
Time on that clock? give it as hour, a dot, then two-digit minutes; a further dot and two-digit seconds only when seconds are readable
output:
1.38
